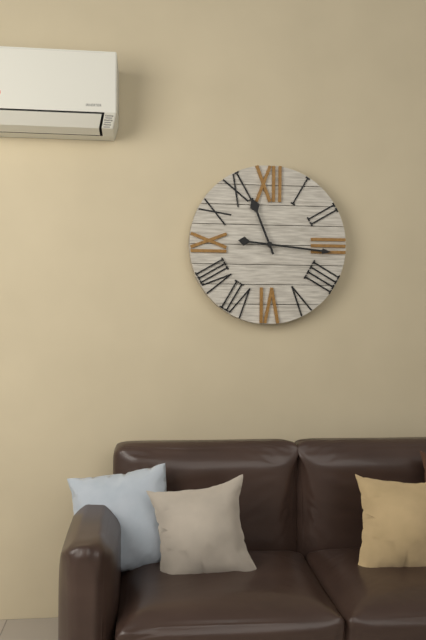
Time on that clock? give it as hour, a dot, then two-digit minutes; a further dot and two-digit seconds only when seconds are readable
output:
11.16
